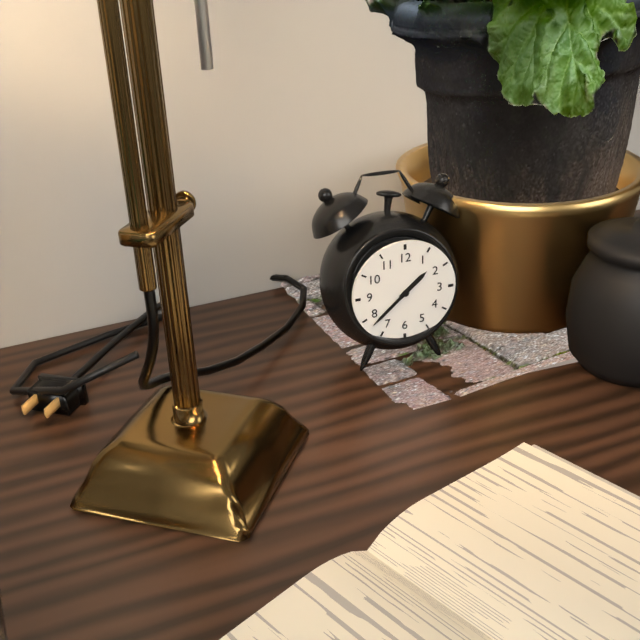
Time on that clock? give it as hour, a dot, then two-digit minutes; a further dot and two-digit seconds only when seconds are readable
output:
1.38
